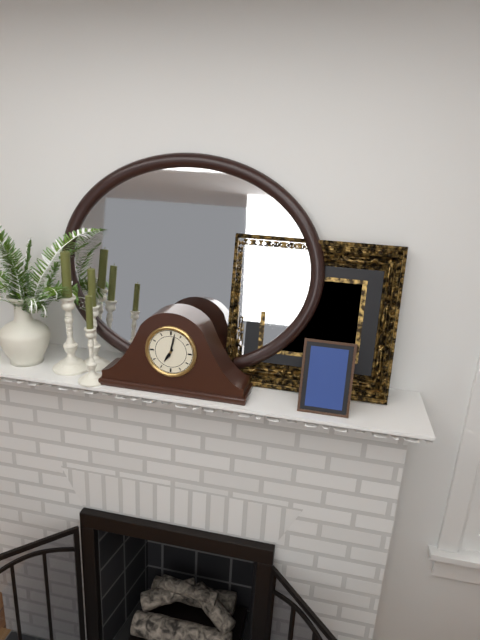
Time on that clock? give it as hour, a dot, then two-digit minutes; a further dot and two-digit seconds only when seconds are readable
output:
7.02
